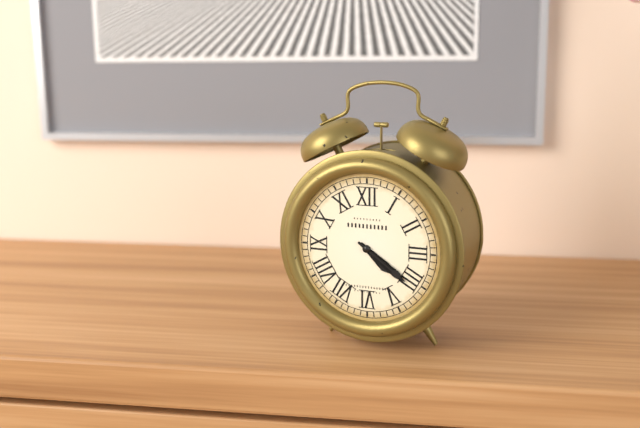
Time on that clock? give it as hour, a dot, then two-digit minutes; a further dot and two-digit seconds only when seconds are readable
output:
4.21
